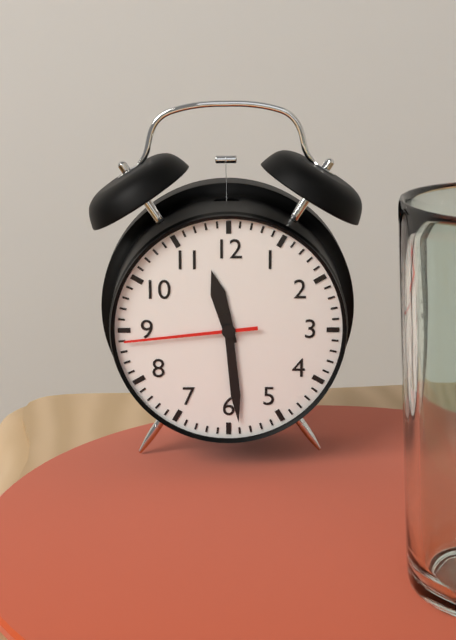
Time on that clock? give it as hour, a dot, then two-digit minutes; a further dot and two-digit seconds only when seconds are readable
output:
11.29.44
